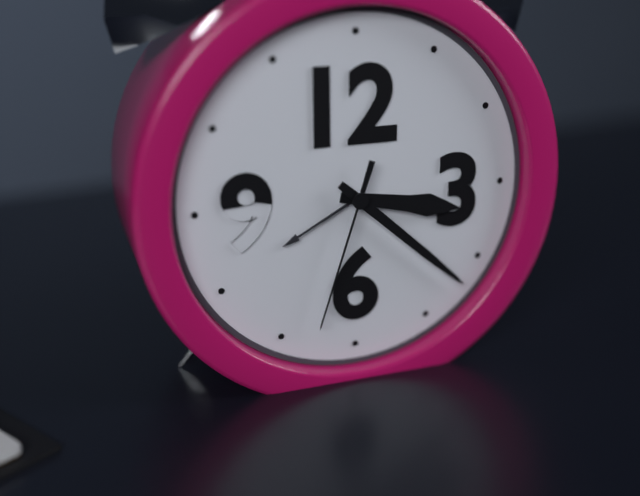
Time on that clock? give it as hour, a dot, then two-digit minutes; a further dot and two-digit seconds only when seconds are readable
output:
3.22.33
